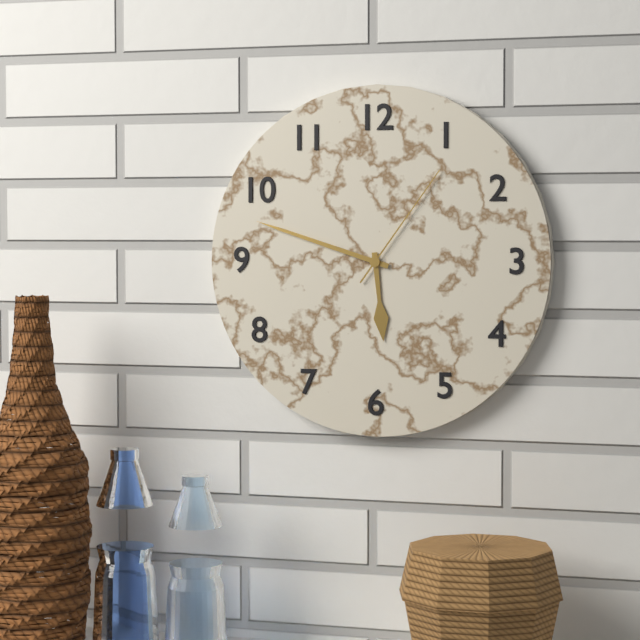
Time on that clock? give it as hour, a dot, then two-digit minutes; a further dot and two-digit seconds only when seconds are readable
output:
5.48.06
